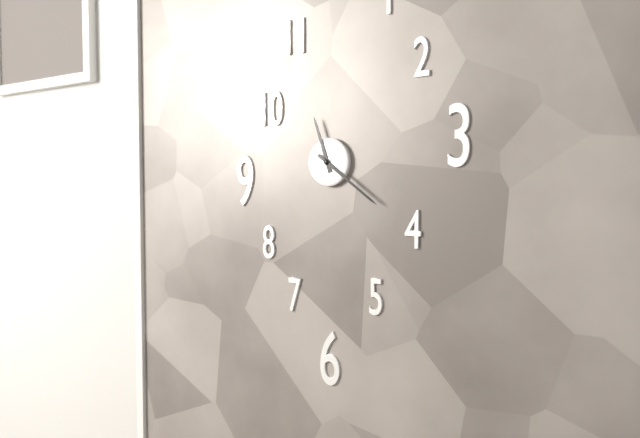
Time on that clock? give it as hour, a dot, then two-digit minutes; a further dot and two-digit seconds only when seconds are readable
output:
11.21
